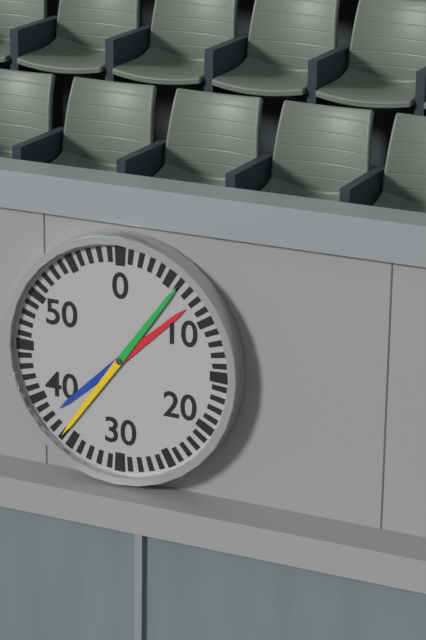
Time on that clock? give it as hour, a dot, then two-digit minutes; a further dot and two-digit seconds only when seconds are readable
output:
1.36
